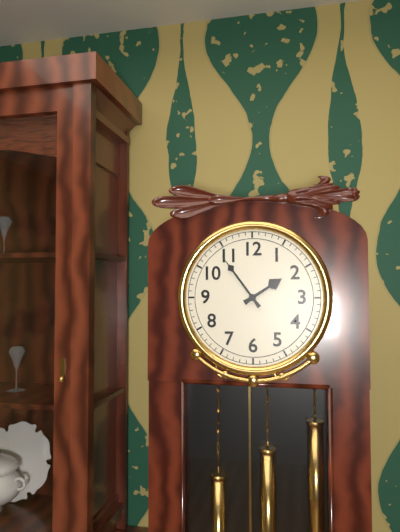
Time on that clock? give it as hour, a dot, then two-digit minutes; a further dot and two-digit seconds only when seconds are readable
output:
1.54
